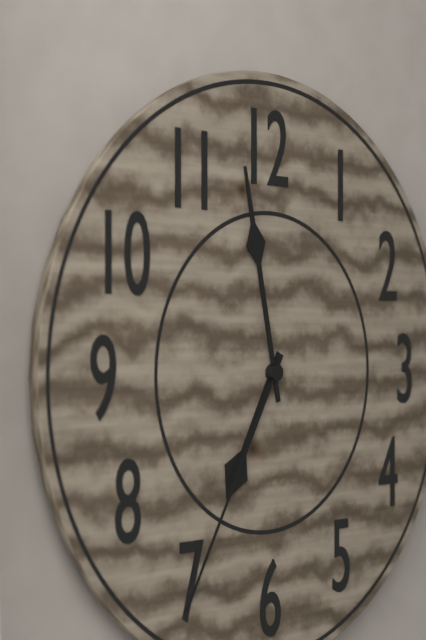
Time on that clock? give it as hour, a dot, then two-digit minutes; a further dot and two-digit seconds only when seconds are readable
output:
6.58.35
